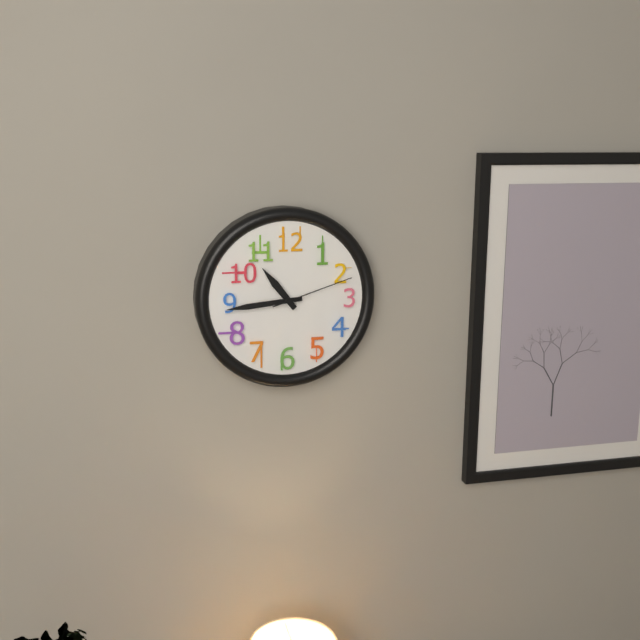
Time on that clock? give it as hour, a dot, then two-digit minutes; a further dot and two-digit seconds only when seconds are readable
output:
10.44.12
